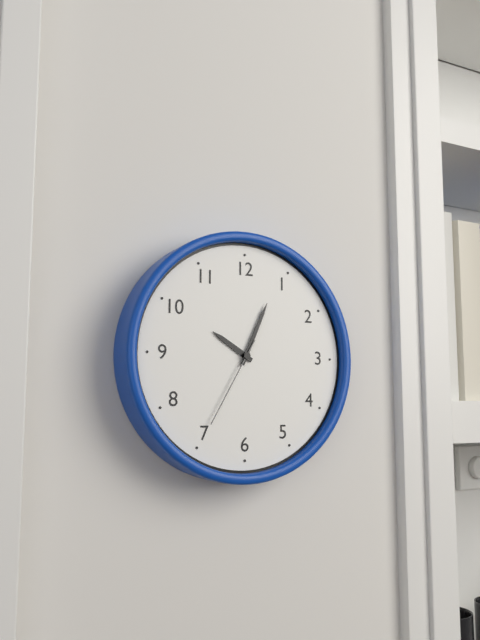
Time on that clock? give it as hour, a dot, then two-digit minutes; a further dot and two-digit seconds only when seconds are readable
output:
10.04.35
